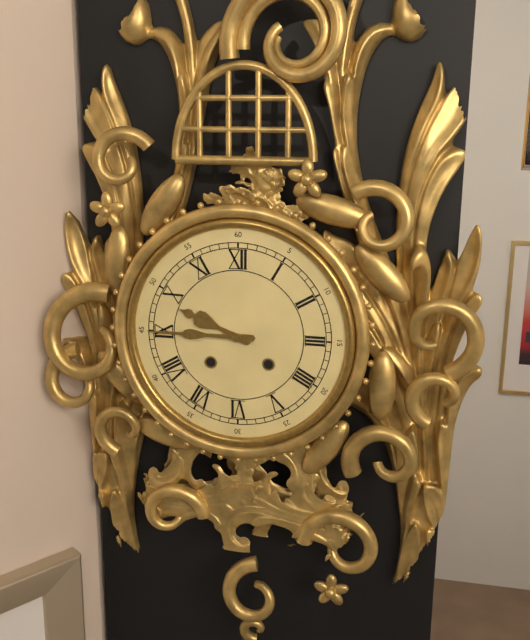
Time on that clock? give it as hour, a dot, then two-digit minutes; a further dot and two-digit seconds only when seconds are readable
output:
9.45
